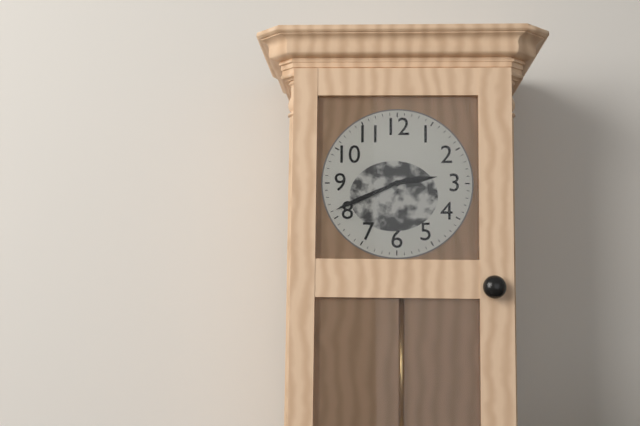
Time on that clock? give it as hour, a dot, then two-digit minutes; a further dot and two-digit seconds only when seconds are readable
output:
2.41
